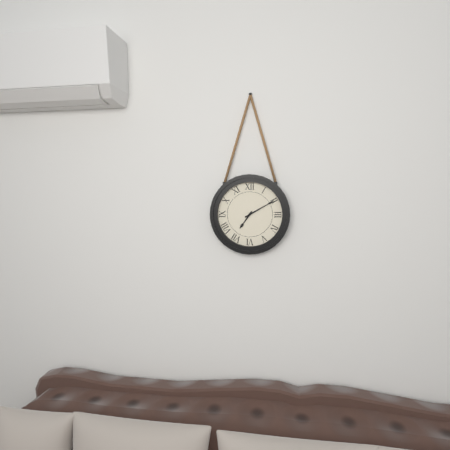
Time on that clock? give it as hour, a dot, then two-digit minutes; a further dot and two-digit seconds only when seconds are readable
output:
7.10
